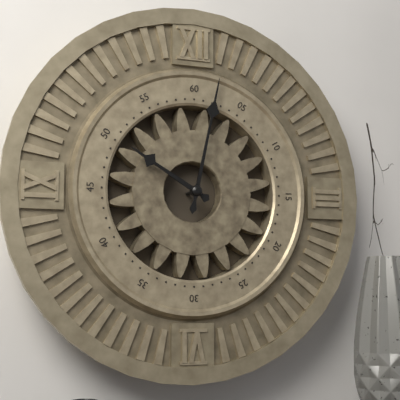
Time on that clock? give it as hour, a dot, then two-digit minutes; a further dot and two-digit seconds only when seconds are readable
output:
10.02
